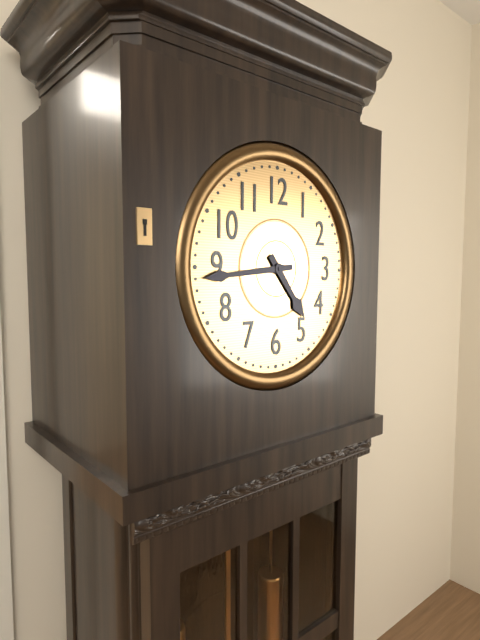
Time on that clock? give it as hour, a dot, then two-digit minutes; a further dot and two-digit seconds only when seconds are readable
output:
4.44
